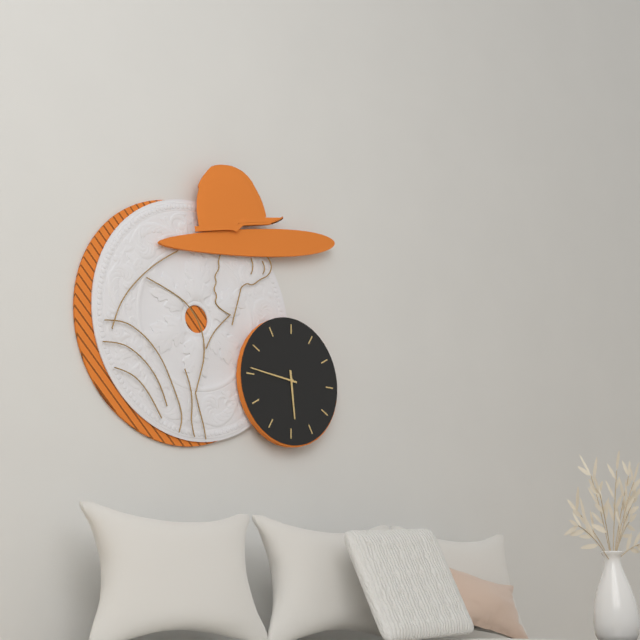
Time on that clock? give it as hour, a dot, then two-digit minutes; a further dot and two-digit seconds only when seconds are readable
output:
5.46
